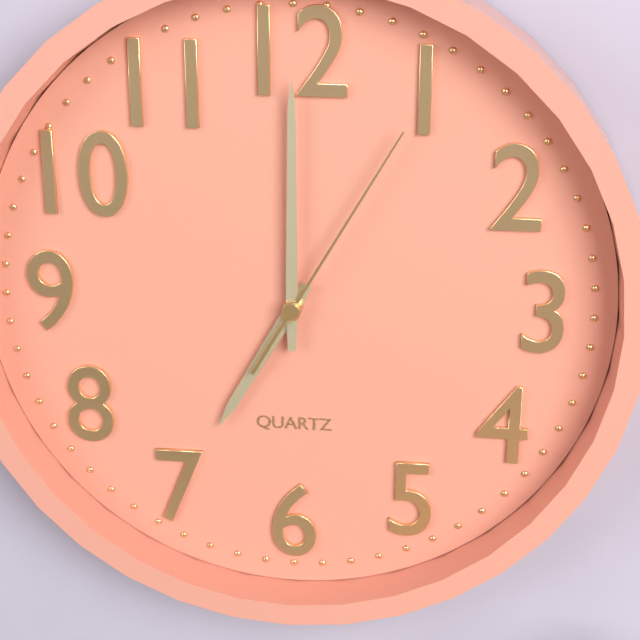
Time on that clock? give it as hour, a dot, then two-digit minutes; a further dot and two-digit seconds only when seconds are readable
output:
7.00.05
